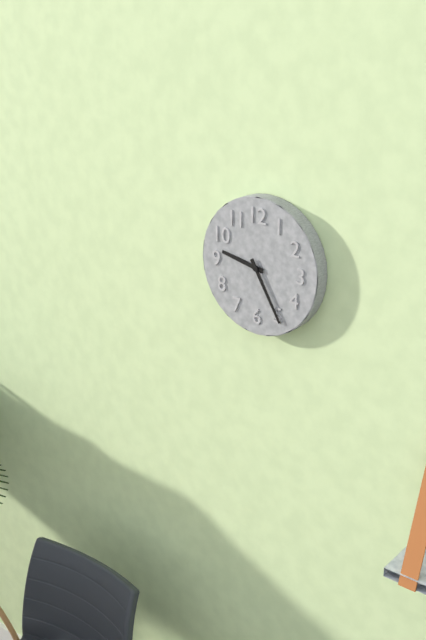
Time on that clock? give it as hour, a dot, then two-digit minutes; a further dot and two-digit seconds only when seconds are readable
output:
9.25
